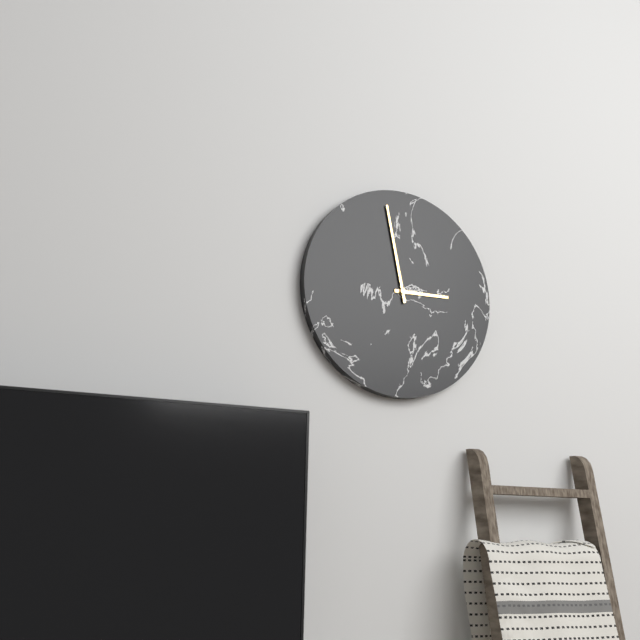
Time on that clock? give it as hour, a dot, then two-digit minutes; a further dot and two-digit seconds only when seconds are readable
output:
2.58
